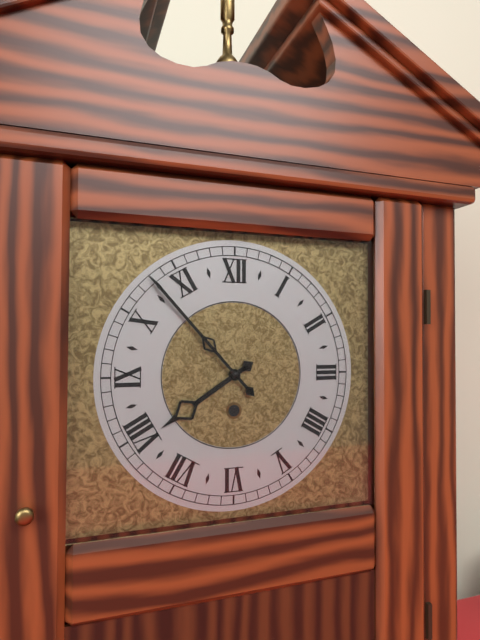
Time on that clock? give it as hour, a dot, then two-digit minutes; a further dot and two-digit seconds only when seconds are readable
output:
7.53
